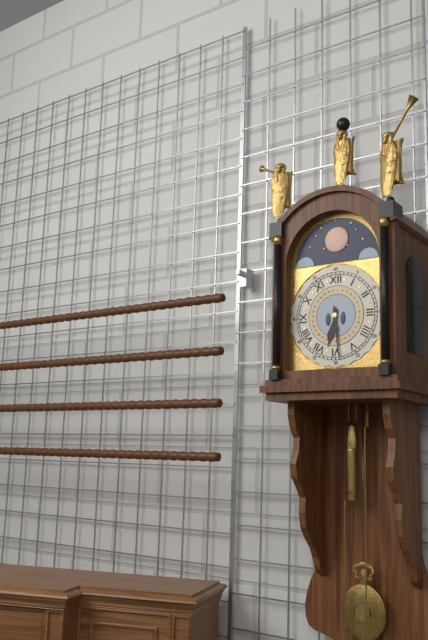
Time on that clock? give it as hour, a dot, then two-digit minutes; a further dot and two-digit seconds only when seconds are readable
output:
6.29
